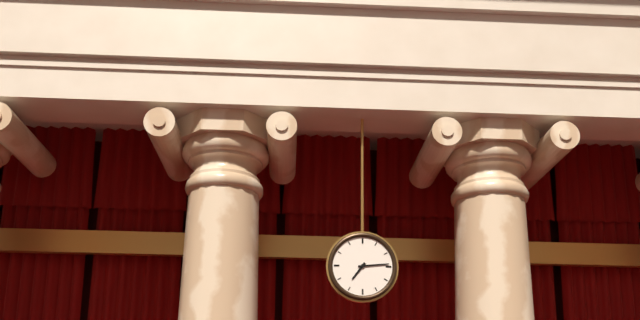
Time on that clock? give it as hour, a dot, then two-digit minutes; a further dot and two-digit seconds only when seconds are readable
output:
7.14
